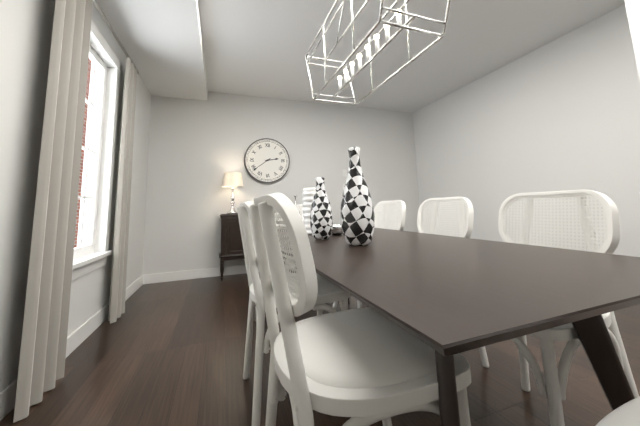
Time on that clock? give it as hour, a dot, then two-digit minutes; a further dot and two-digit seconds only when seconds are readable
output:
2.39
